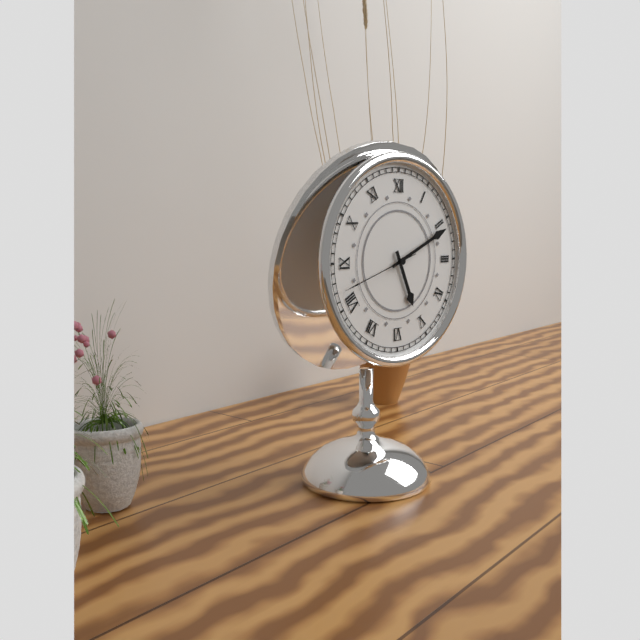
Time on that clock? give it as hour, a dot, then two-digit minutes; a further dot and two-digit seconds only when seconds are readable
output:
5.11.42
